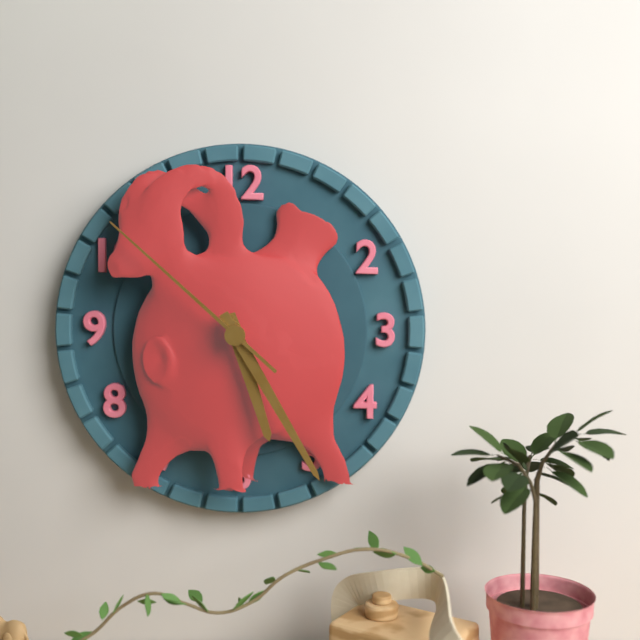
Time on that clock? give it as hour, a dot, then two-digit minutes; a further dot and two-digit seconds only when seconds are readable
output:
5.25.52
